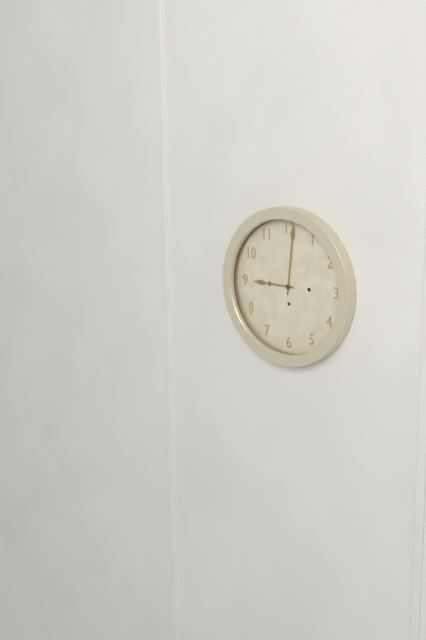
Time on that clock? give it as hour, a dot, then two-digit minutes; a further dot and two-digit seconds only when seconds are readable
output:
9.01
